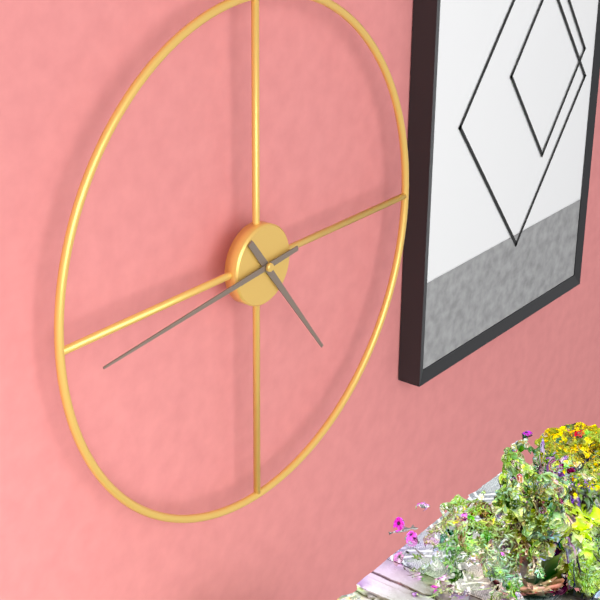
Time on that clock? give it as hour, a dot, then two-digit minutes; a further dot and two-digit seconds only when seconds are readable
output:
4.44
